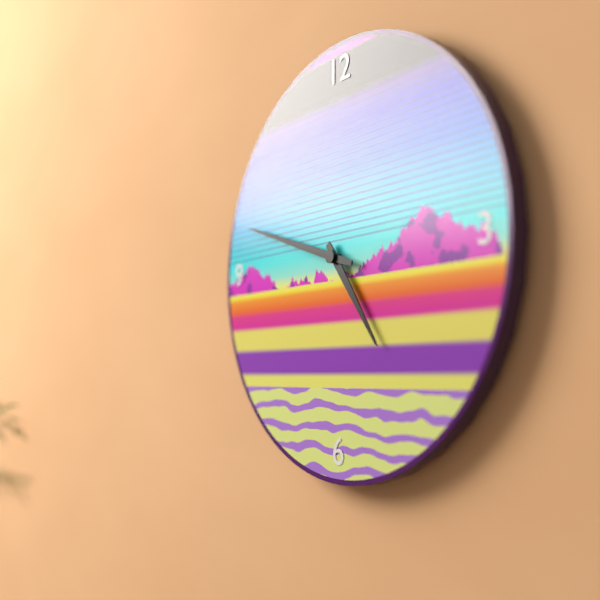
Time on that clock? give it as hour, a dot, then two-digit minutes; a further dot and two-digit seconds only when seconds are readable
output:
4.48
